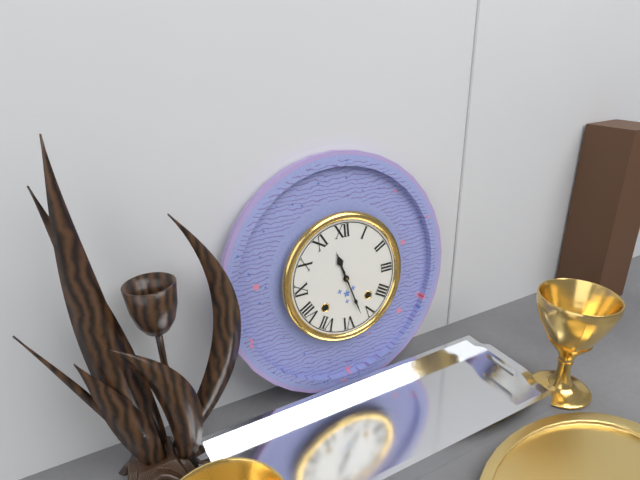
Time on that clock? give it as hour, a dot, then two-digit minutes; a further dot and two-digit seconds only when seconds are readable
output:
11.27
